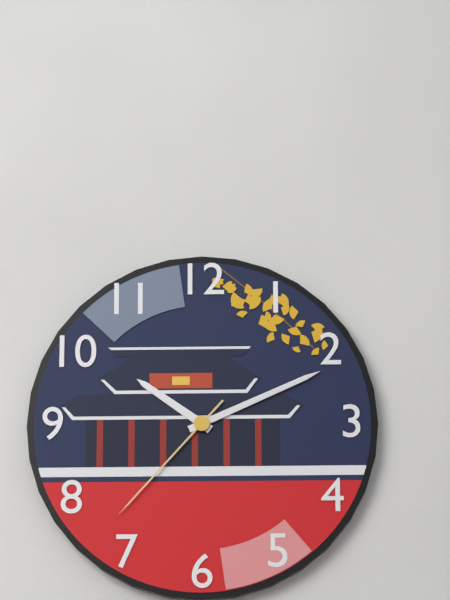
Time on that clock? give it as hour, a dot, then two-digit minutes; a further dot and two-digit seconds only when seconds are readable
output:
10.11.37
